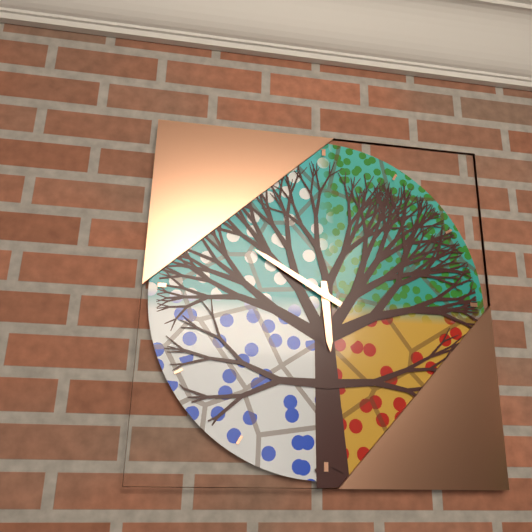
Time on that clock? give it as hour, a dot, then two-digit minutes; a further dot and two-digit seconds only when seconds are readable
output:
5.50
